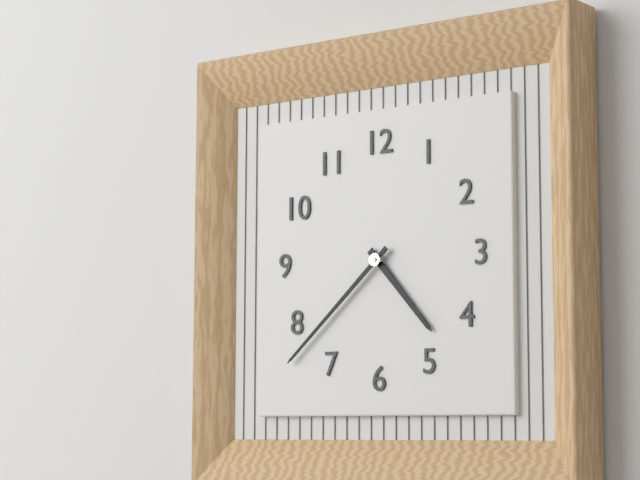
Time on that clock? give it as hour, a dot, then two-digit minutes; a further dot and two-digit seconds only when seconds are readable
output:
4.38
